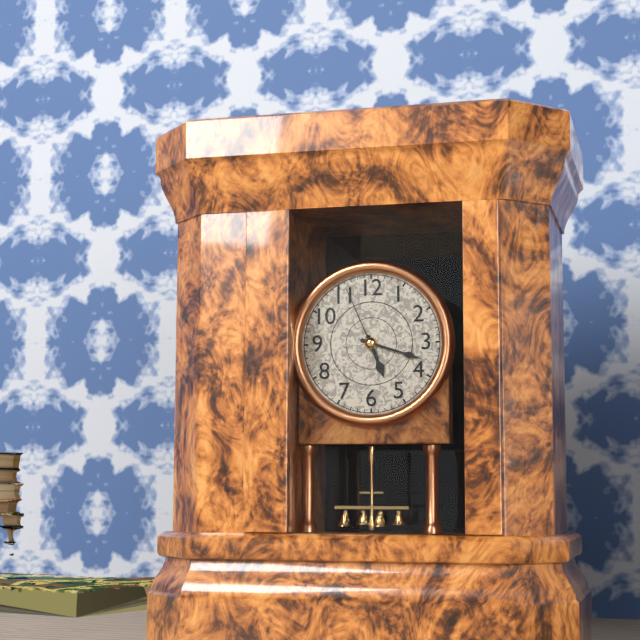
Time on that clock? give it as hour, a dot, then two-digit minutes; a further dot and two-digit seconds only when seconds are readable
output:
5.18.56
